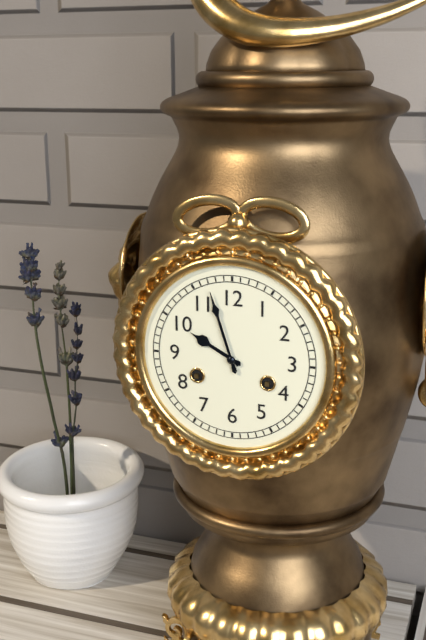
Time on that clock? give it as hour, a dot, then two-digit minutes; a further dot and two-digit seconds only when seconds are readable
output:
9.57
